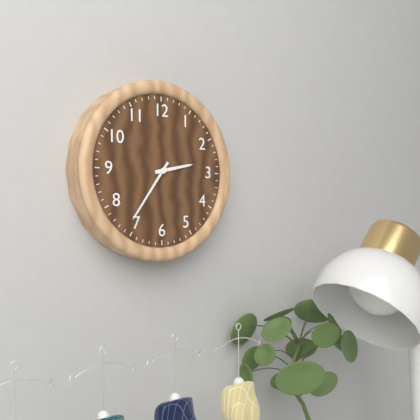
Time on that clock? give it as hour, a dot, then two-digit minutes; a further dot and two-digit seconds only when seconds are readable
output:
2.36
